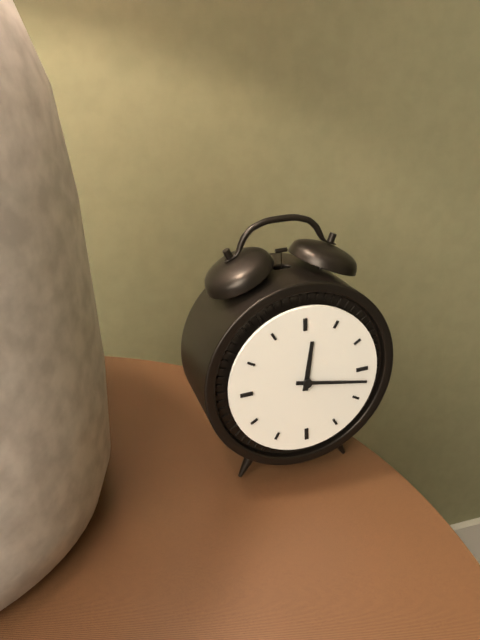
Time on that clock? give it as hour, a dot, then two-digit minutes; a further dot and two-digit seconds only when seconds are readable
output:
12.17
